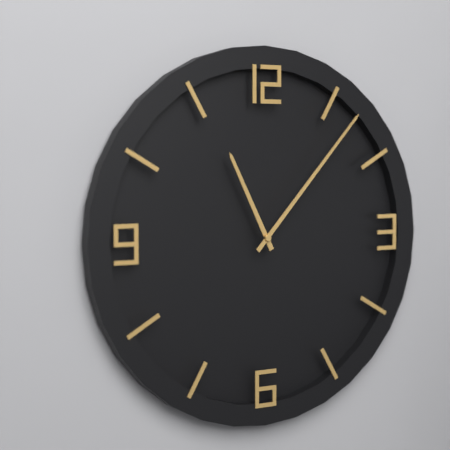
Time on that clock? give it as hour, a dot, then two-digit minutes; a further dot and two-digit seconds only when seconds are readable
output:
11.07
